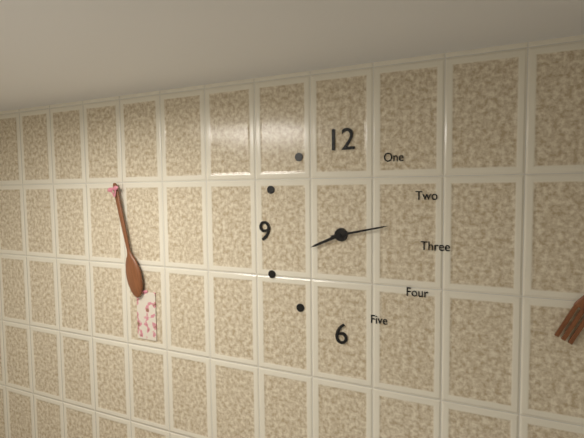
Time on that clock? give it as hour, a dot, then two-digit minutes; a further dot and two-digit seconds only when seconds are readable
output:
8.13
